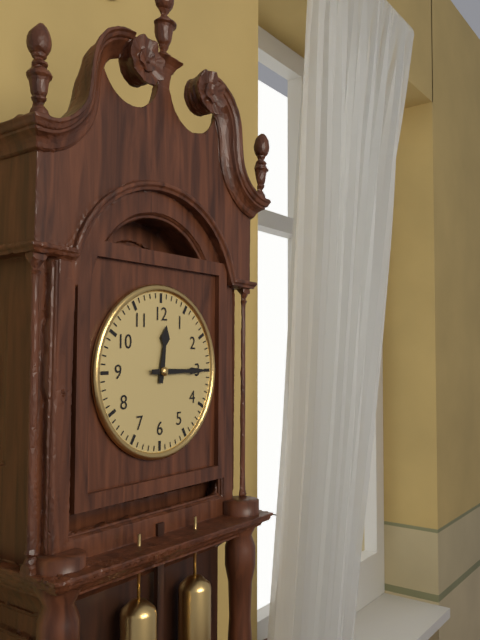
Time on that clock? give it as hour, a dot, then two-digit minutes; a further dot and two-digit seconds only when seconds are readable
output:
12.15
